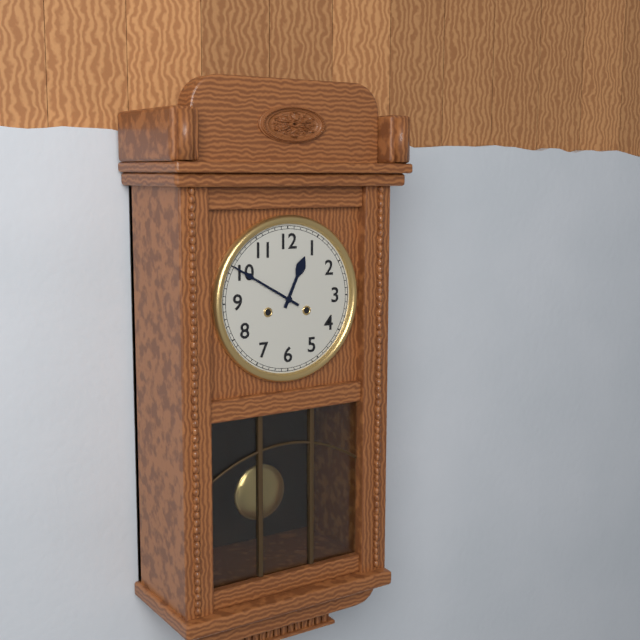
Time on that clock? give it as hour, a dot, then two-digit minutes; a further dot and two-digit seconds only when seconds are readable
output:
12.50
